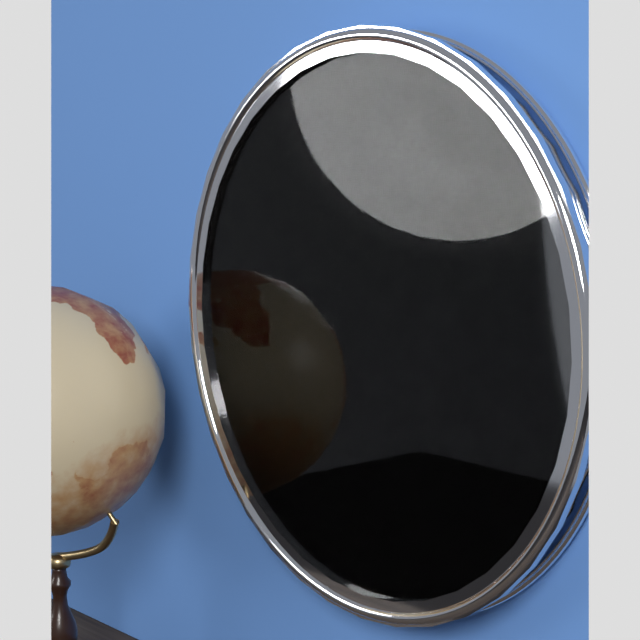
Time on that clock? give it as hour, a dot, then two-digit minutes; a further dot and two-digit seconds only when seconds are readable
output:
12.12
